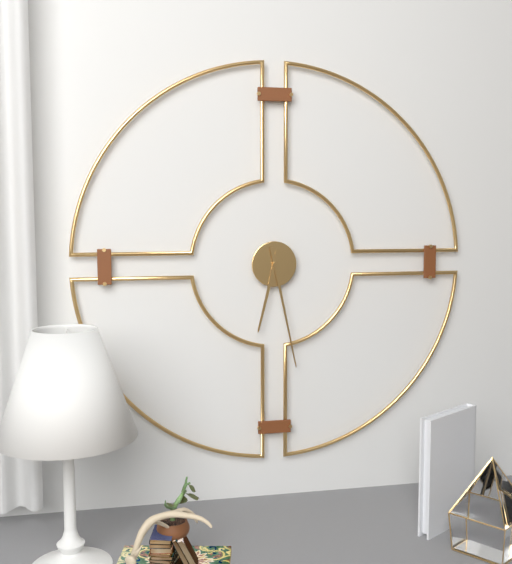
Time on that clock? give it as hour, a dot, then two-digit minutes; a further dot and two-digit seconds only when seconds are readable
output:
6.28
